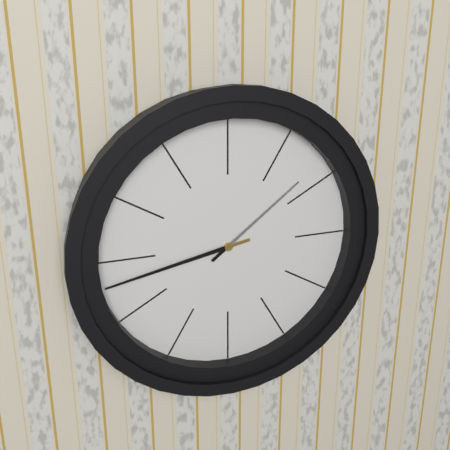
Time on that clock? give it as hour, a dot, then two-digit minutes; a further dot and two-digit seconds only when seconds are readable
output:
1.43
